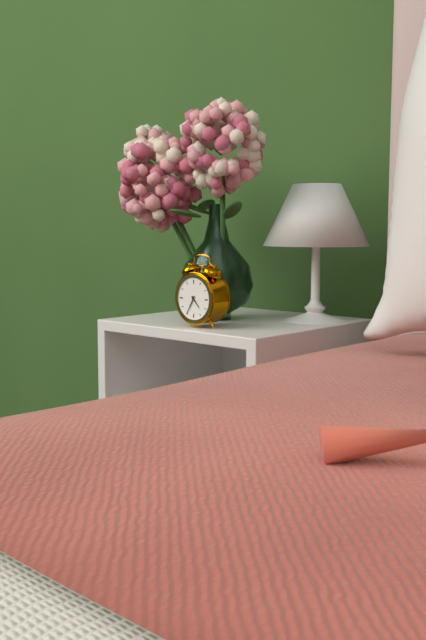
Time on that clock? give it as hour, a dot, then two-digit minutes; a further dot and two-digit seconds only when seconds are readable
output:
4.35
